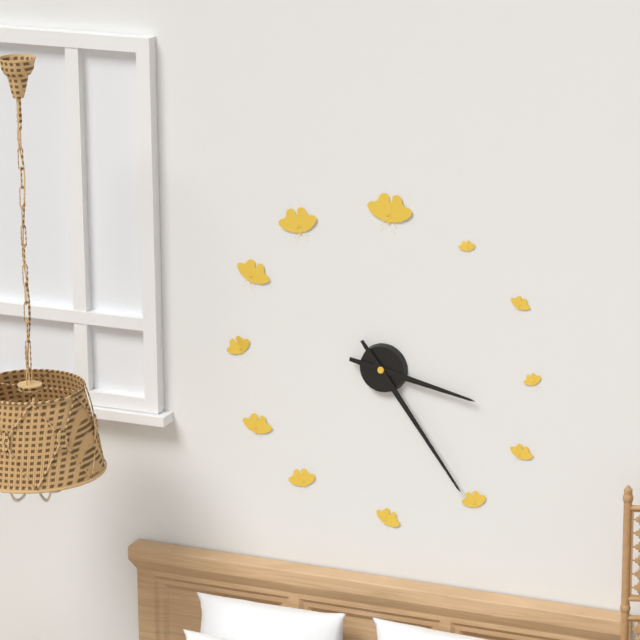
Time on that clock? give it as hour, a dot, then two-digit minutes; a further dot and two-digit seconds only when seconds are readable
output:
3.24
